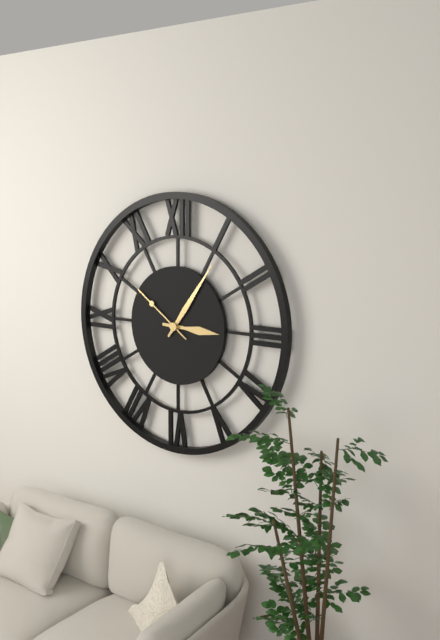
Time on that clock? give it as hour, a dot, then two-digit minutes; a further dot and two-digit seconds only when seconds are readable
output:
3.06.51
